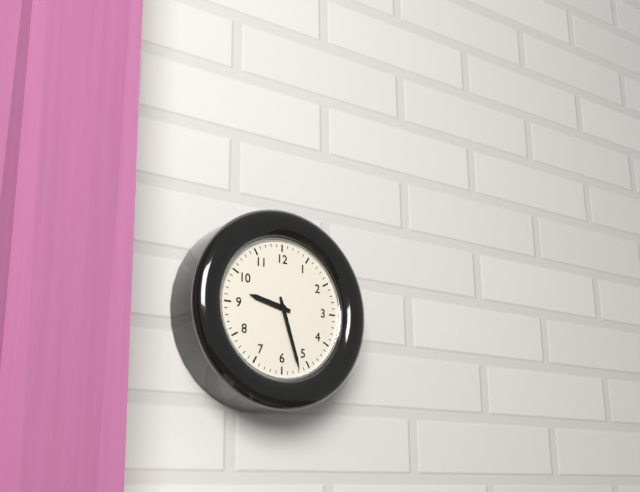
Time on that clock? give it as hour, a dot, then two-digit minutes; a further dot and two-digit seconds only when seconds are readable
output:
9.27
